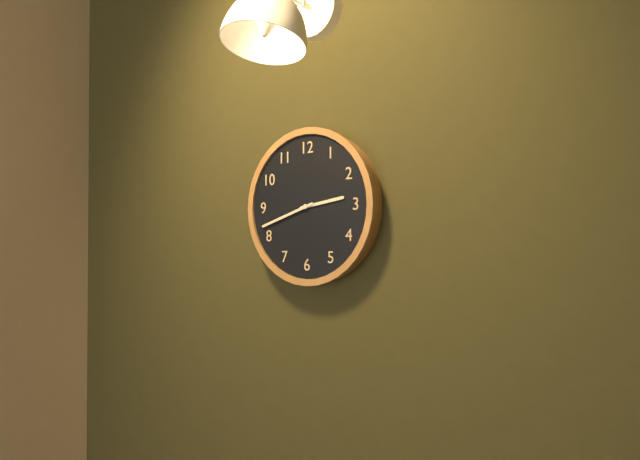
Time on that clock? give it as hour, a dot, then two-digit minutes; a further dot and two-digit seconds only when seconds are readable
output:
2.42
